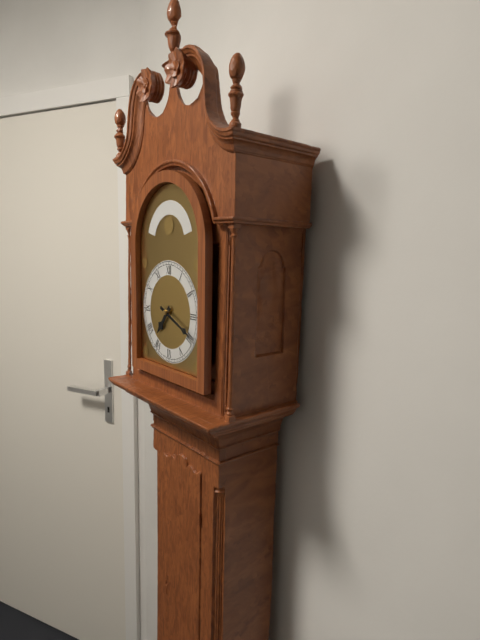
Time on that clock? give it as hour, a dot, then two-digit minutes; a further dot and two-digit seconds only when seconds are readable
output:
7.19
